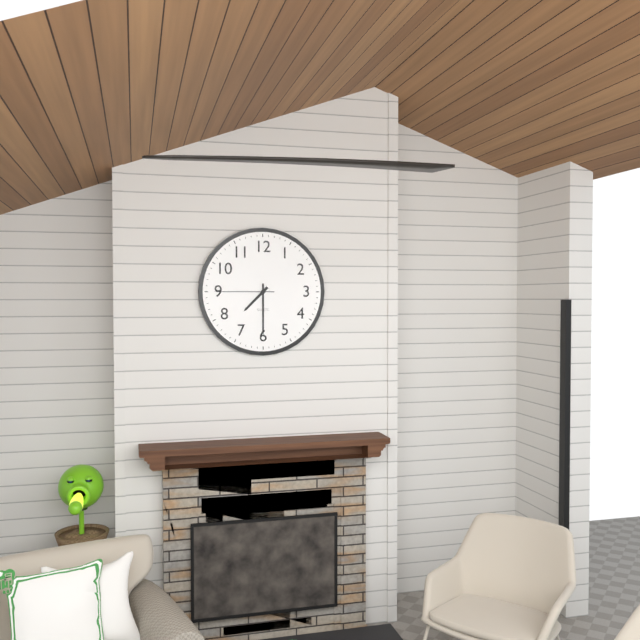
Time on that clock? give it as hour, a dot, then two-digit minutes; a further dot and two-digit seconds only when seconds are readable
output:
7.30.45
